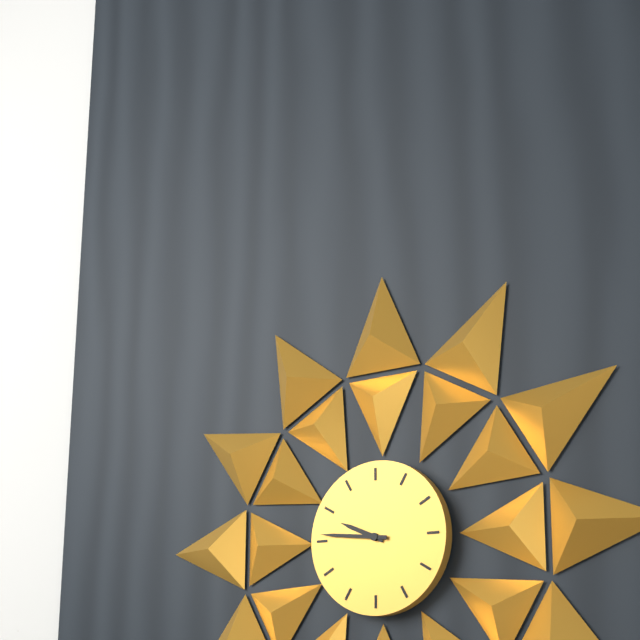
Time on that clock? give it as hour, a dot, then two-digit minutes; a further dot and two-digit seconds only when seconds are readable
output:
9.46
